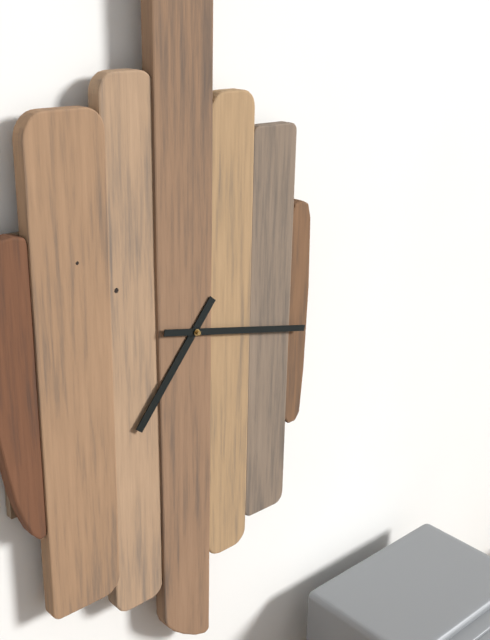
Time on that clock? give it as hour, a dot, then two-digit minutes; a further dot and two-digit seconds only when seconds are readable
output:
7.17
